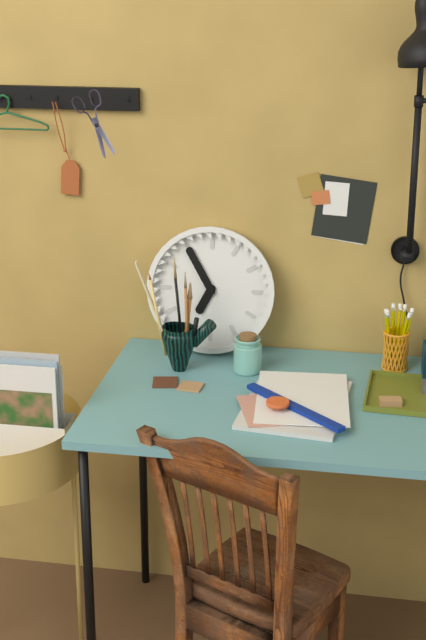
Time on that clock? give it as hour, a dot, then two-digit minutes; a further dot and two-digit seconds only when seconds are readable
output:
6.55
